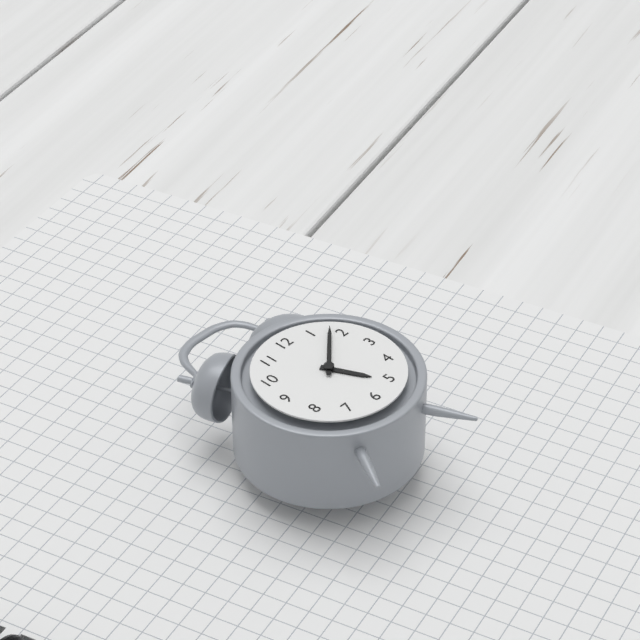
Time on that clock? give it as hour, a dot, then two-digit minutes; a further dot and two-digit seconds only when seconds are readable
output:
5.08
